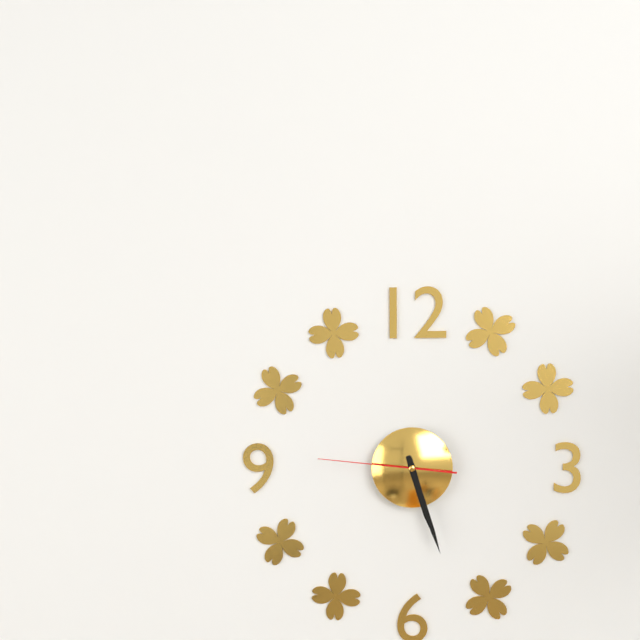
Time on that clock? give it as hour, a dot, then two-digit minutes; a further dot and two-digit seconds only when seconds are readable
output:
5.27.46
